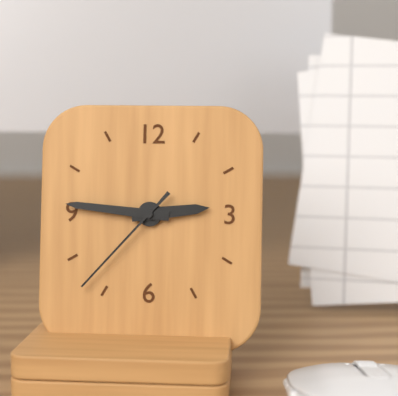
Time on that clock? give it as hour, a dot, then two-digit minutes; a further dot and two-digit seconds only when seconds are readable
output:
2.46.37
